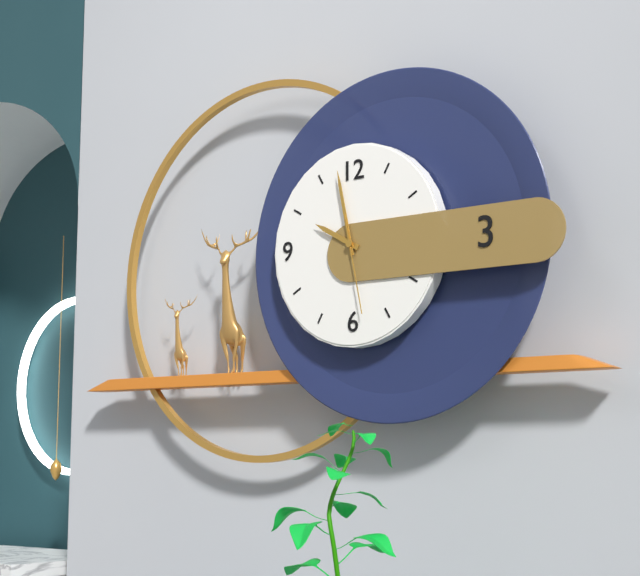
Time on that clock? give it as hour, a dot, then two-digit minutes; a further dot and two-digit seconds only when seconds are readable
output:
9.58.28
